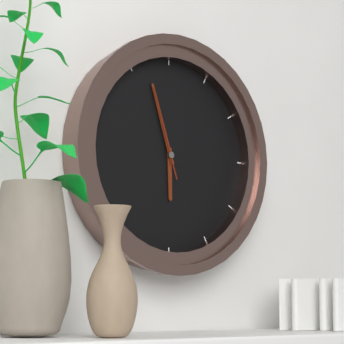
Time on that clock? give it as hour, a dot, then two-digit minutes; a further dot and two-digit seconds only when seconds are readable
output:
5.57.57
